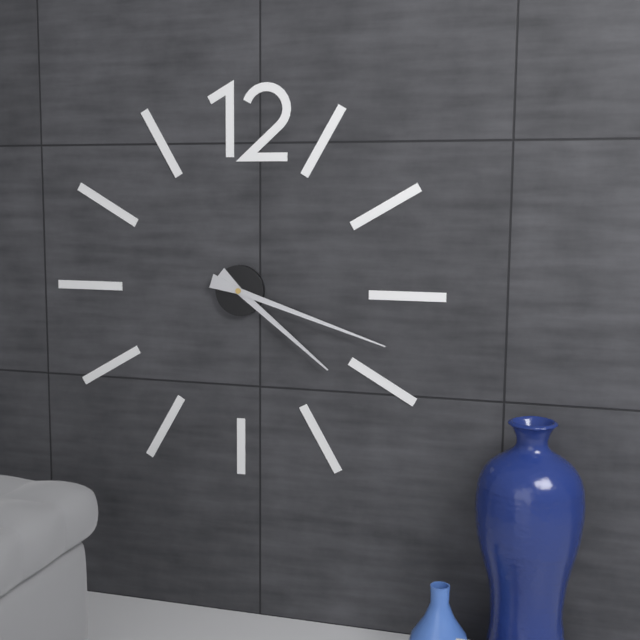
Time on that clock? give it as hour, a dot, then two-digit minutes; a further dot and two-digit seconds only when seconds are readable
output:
4.18
